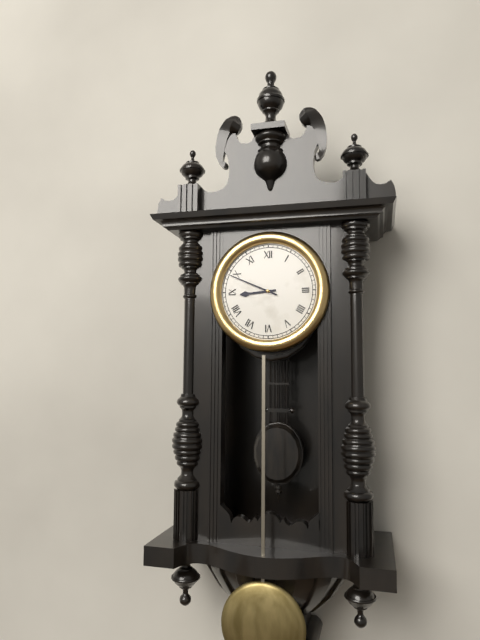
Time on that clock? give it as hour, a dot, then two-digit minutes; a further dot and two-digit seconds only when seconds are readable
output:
8.49
